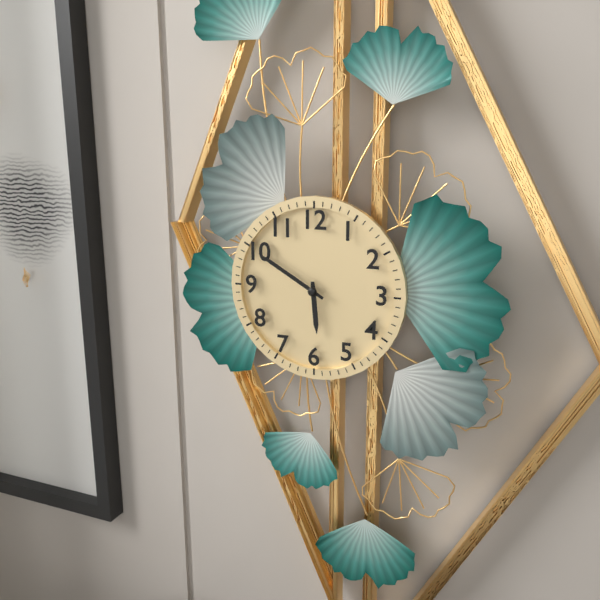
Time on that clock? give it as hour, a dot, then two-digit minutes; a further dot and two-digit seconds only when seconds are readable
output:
5.50
